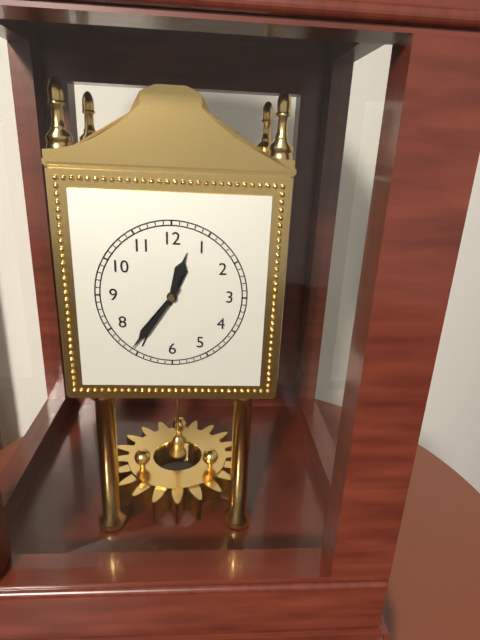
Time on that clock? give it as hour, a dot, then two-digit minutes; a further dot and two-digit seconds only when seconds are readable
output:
12.36
